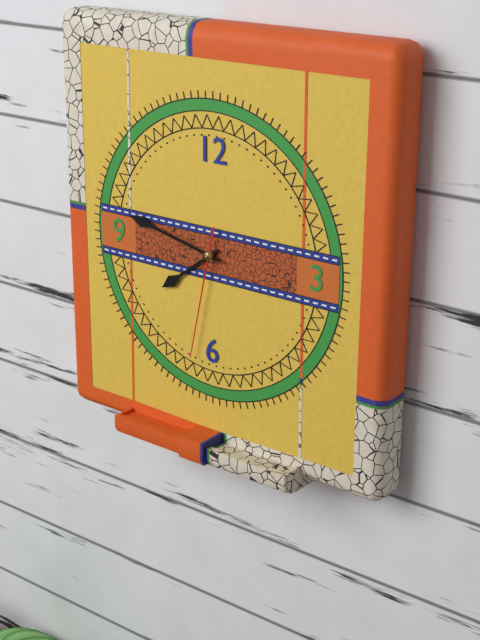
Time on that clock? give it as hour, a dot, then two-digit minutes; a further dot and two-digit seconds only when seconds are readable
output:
7.47.32
